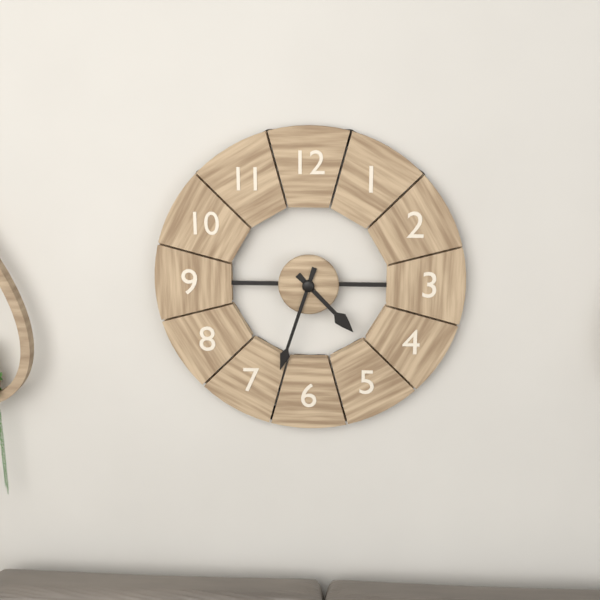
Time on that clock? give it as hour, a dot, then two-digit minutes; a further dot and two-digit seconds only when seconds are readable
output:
4.33
